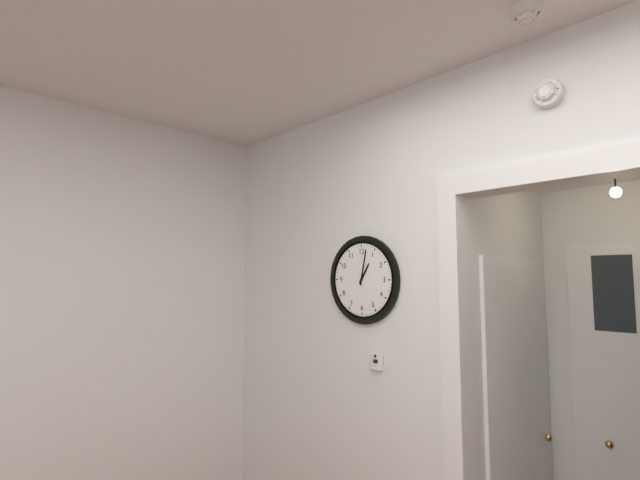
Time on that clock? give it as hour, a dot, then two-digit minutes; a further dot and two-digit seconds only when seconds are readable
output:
1.02
